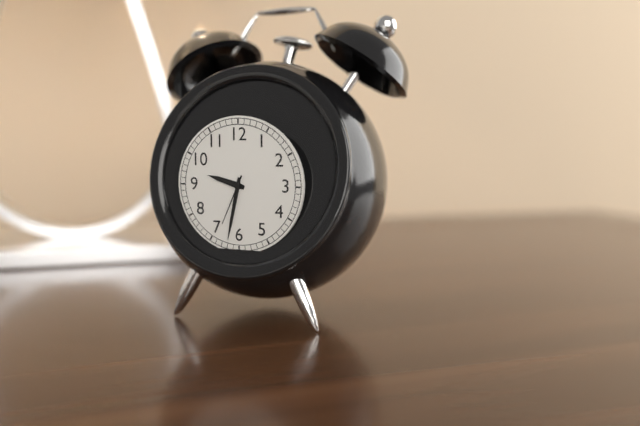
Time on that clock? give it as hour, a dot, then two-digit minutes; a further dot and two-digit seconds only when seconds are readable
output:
9.32.34
